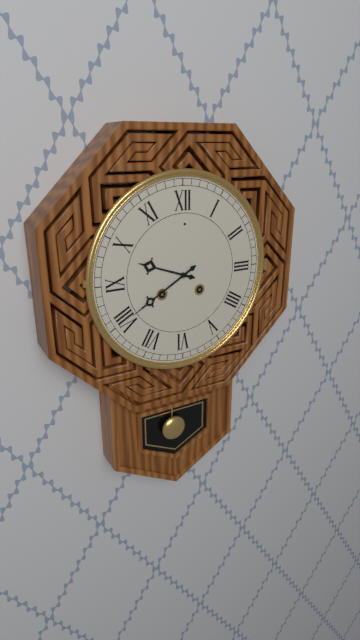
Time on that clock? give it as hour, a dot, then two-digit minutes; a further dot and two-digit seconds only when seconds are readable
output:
9.40
